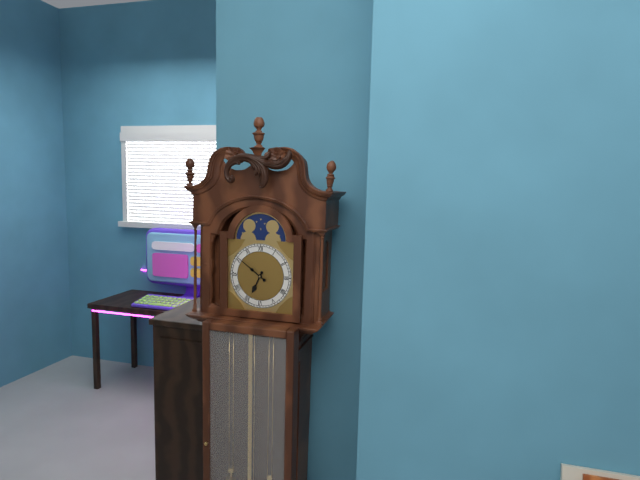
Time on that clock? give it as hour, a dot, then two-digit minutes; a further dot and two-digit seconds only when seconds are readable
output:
6.51
